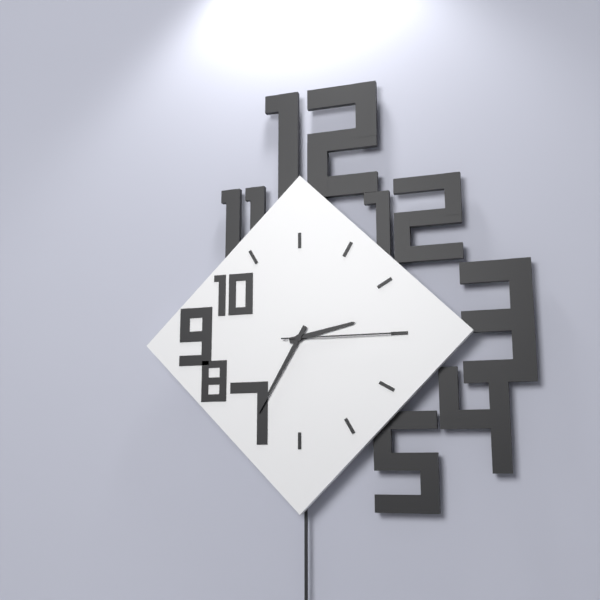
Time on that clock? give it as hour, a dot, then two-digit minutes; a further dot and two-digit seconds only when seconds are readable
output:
2.35.15
